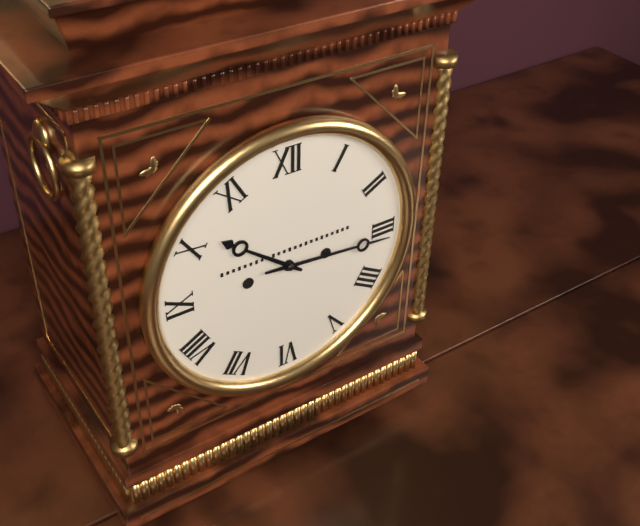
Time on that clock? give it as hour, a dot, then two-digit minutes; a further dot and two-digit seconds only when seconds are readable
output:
10.16
